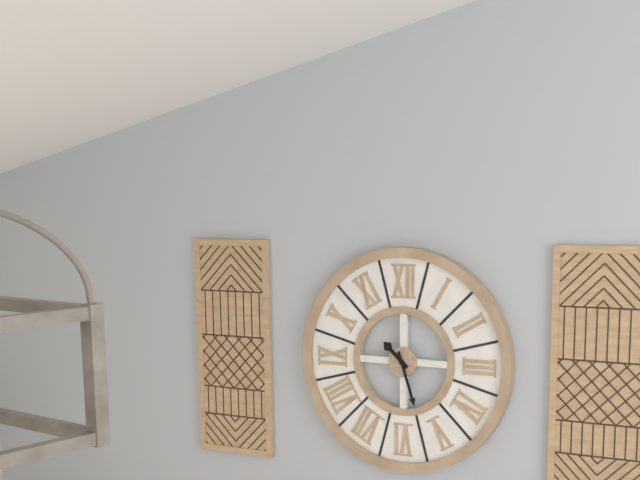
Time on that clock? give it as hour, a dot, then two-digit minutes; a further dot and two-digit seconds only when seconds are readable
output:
10.27
